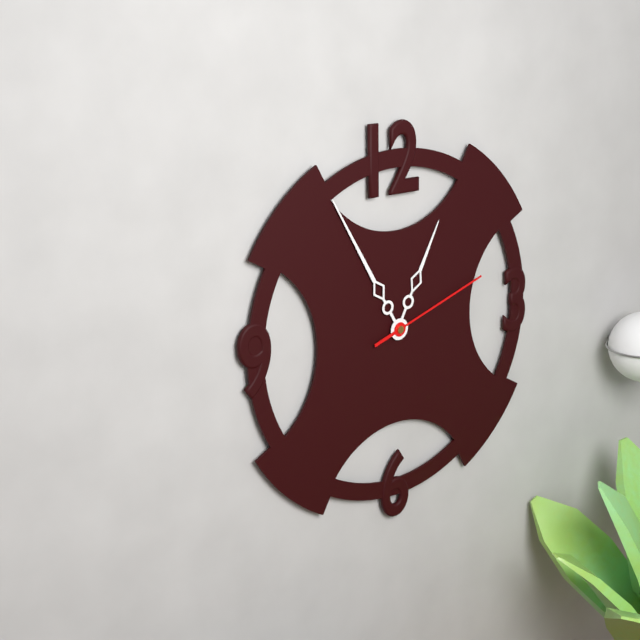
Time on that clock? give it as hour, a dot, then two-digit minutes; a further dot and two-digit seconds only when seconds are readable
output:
12.55.12
